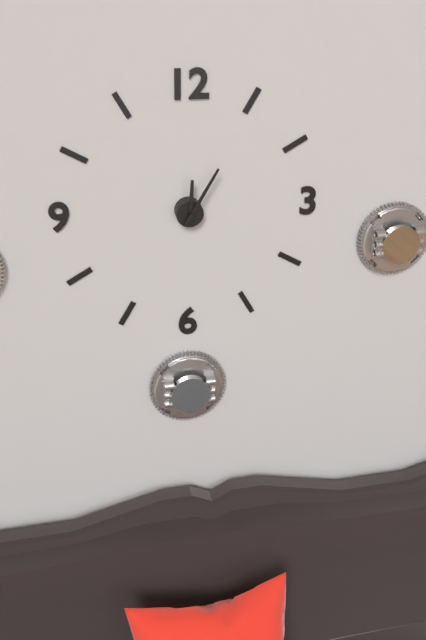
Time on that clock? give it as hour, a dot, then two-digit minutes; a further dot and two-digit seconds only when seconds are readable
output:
12.05
